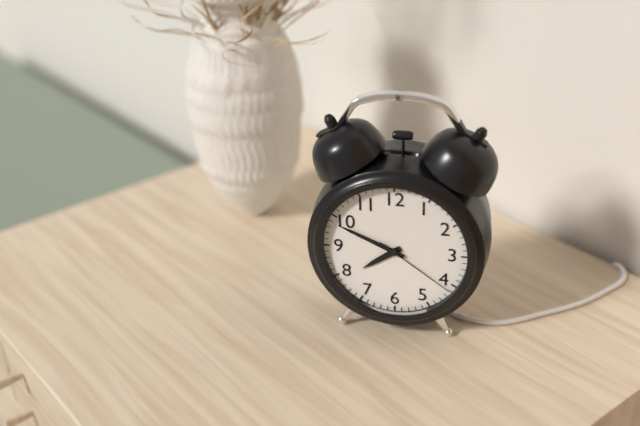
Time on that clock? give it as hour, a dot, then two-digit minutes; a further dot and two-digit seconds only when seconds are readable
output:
7.49.21
